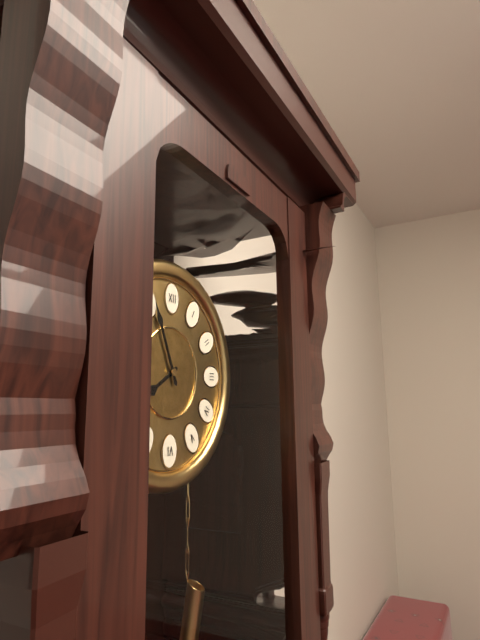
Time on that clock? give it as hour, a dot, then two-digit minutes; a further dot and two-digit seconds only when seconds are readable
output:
7.56
